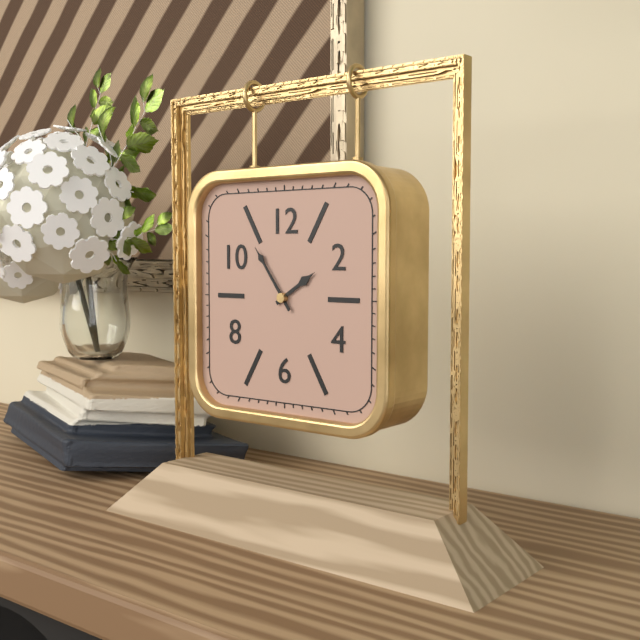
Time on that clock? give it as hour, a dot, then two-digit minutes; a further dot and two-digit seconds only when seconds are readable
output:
1.54
